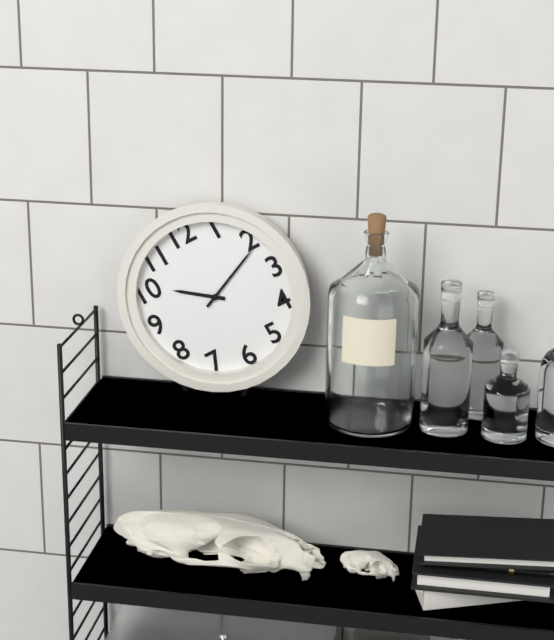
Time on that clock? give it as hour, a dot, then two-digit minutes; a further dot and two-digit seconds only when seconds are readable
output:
10.11
